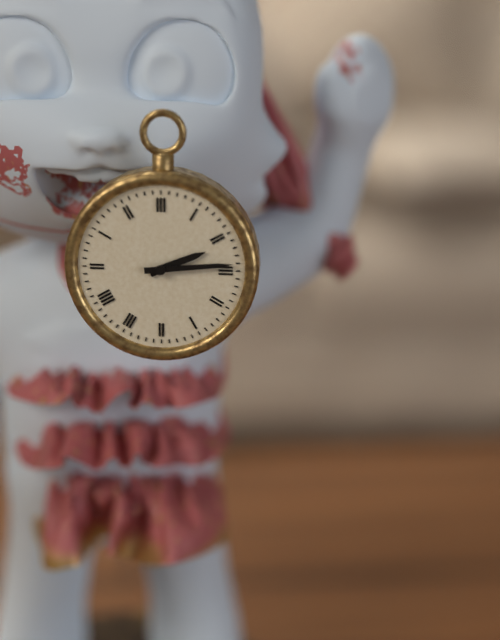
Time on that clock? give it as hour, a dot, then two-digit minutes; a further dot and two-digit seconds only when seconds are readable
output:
2.14
